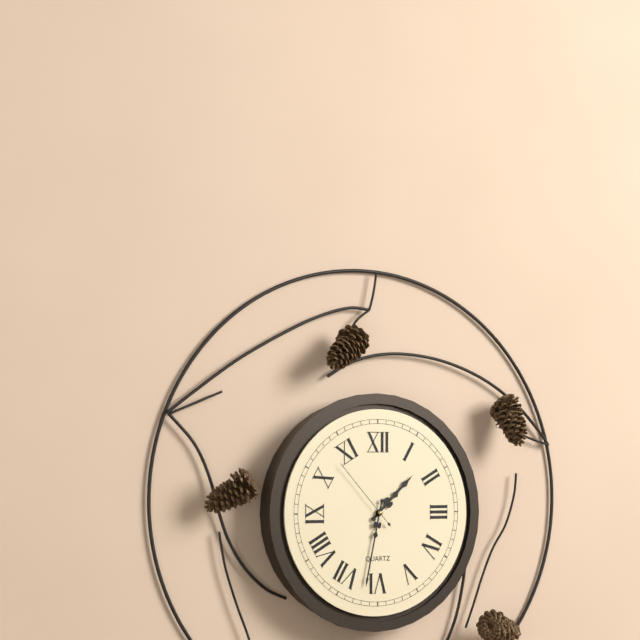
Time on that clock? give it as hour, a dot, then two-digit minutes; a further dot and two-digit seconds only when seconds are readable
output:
1.32.53
